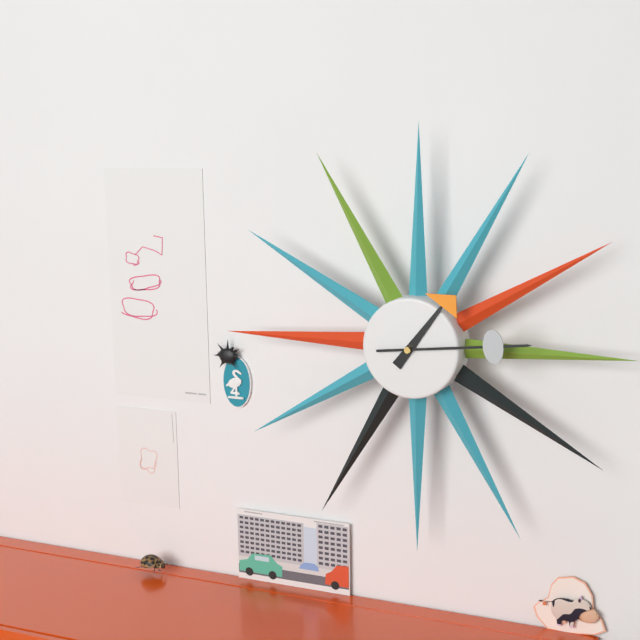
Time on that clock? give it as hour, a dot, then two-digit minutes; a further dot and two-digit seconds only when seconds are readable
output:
1.14
